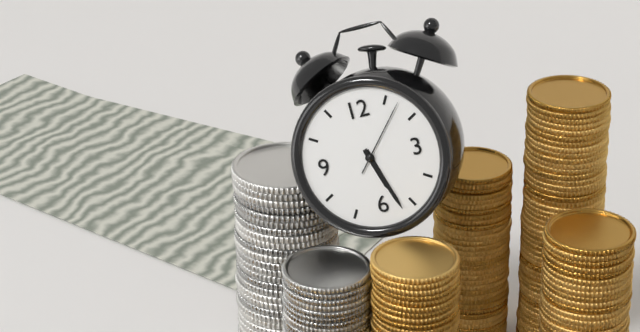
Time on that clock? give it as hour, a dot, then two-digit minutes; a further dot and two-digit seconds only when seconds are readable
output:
5.27.07
